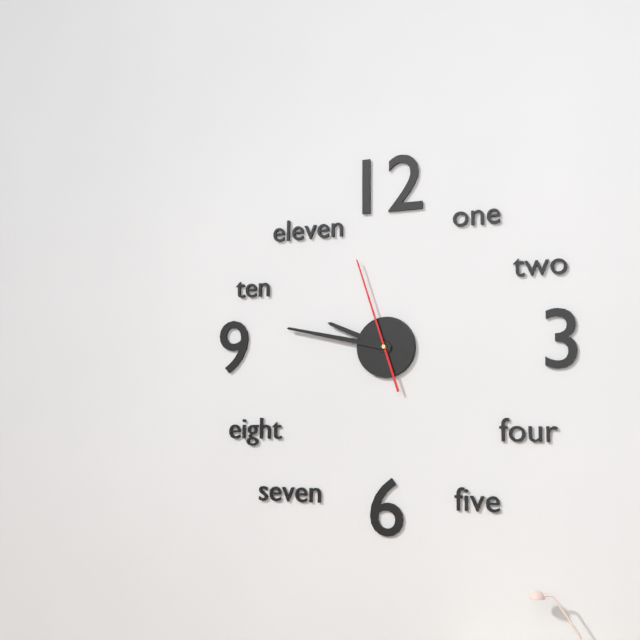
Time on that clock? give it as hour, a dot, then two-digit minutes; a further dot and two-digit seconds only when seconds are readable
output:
9.47.57
